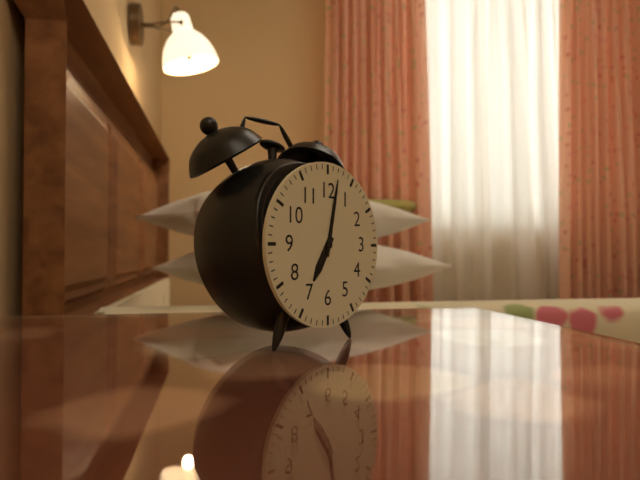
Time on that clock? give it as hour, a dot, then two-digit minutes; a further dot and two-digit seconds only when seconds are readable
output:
7.02
